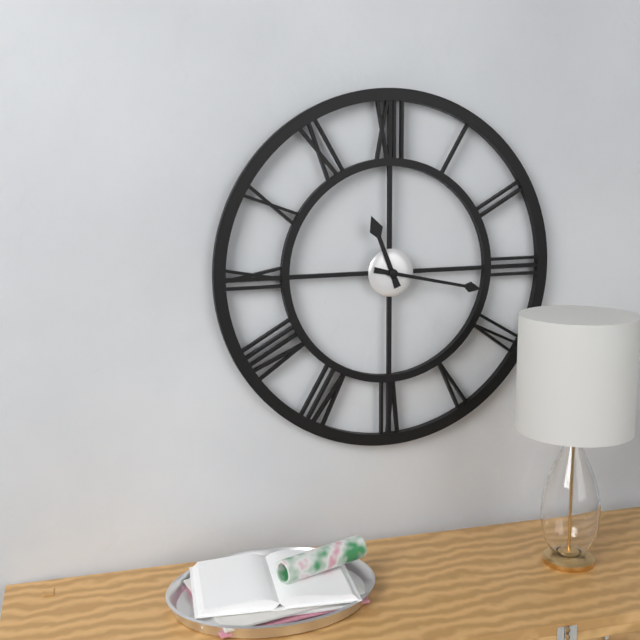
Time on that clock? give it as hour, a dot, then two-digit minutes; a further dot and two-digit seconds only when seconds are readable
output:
11.17
